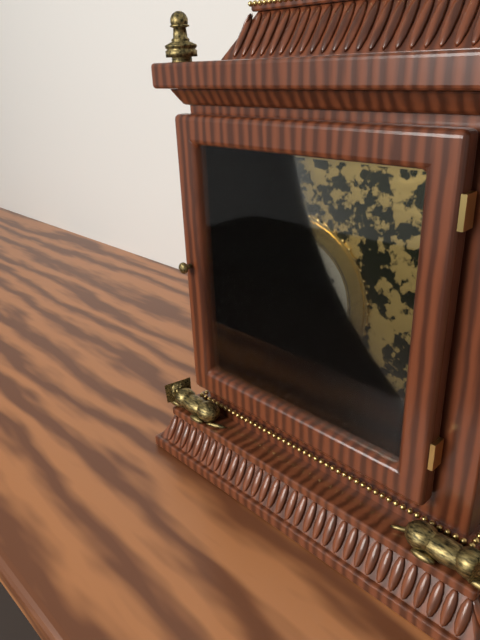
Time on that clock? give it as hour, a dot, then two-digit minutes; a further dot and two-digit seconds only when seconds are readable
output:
2.27
